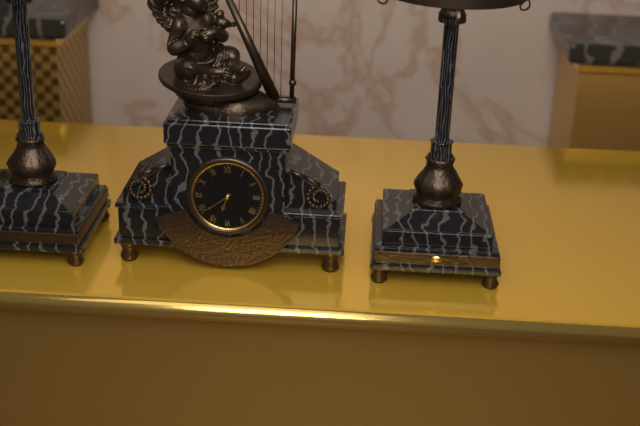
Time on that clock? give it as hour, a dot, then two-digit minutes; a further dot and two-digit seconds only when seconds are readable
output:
6.39
